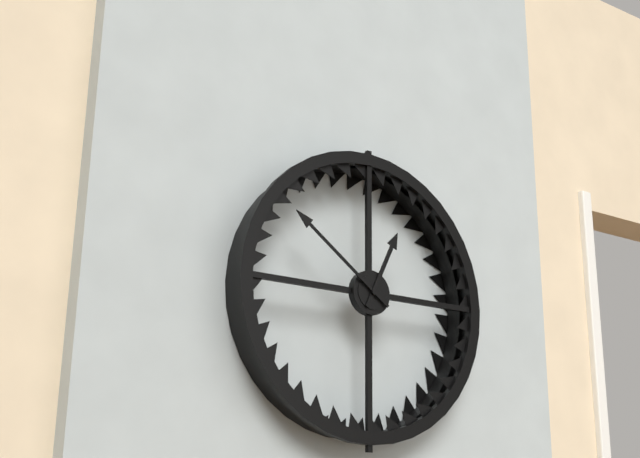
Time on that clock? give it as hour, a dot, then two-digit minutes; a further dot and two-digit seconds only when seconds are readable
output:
12.51
